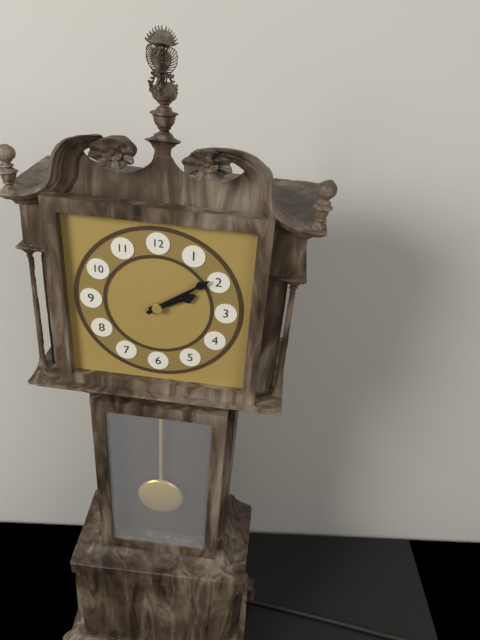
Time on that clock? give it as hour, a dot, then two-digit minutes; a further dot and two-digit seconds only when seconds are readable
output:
2.09
